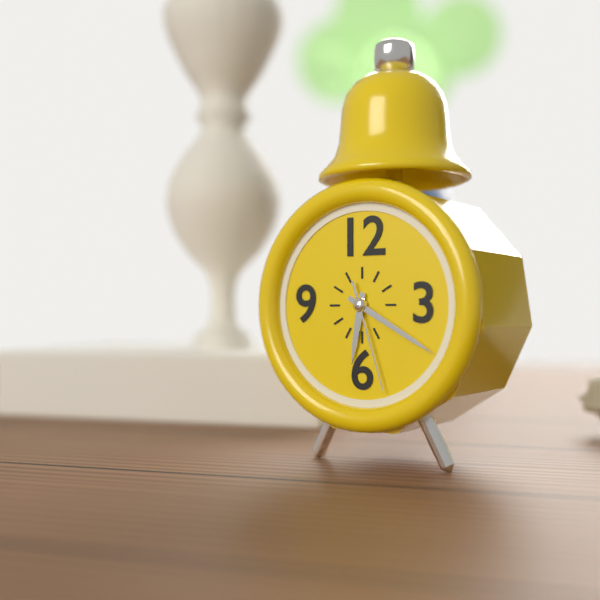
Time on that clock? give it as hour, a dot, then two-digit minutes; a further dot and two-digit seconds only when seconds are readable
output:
6.20.27
